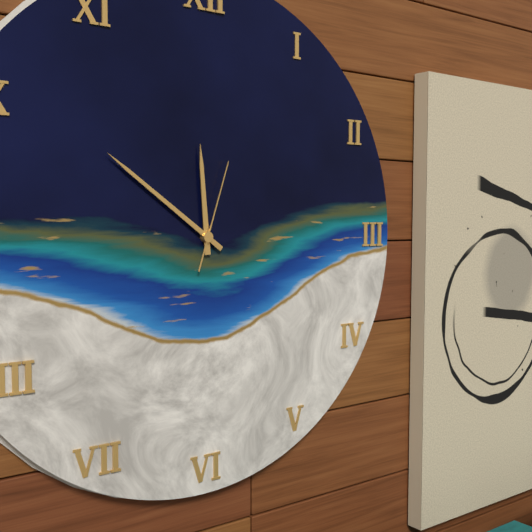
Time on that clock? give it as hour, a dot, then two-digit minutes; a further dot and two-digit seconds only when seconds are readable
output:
11.51.03
